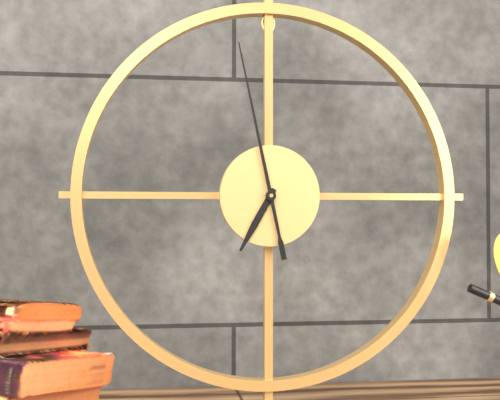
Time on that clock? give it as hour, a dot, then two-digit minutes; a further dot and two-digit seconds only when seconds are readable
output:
6.58
